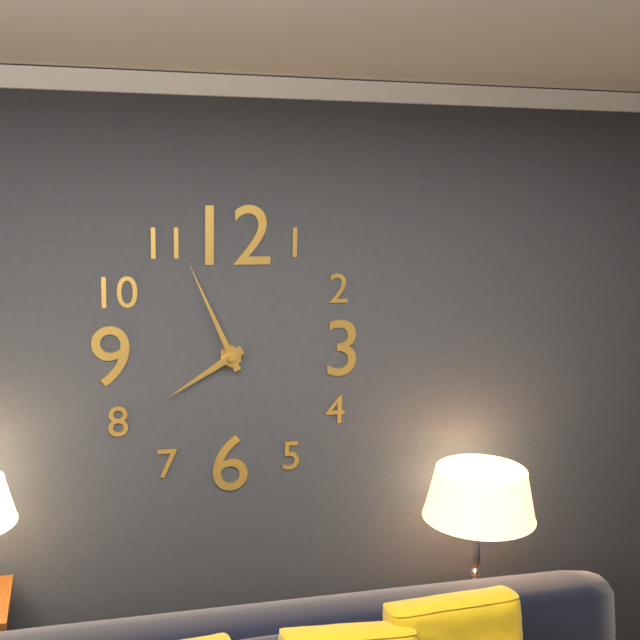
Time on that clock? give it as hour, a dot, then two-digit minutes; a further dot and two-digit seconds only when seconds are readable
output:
7.56
